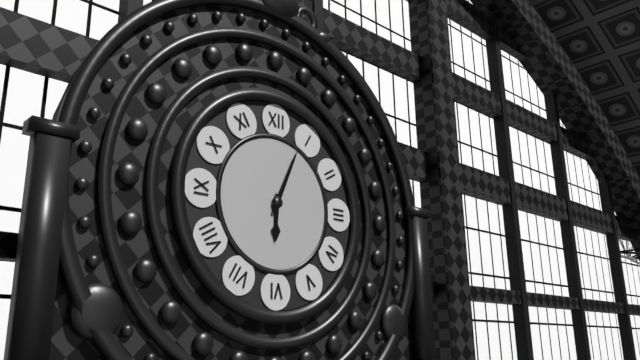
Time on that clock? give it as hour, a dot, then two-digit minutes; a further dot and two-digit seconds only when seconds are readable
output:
6.04
